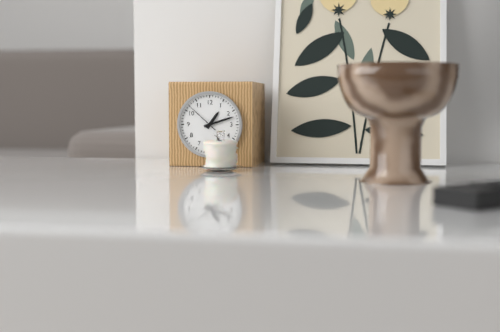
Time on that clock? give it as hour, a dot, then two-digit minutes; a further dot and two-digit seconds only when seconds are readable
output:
1.12
